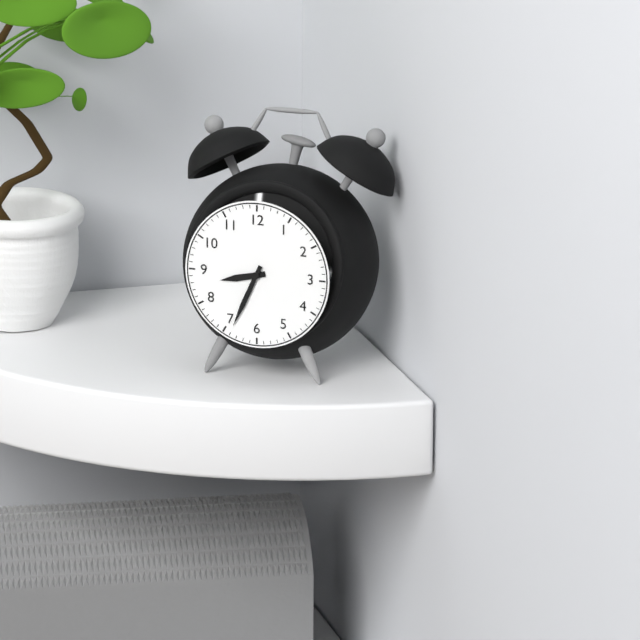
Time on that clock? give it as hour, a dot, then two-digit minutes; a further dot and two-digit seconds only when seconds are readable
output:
8.34
